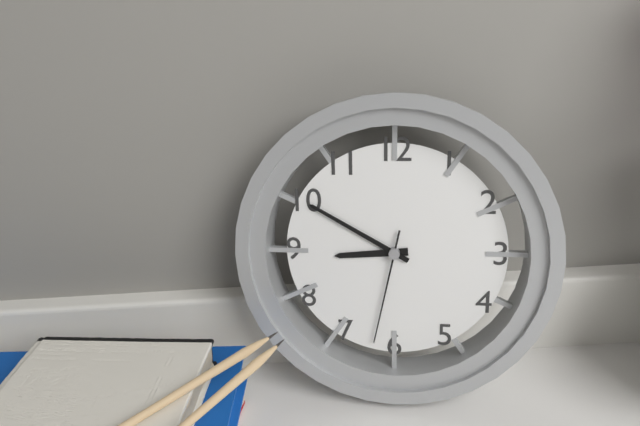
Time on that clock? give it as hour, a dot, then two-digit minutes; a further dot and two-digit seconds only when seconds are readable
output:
8.50.32
